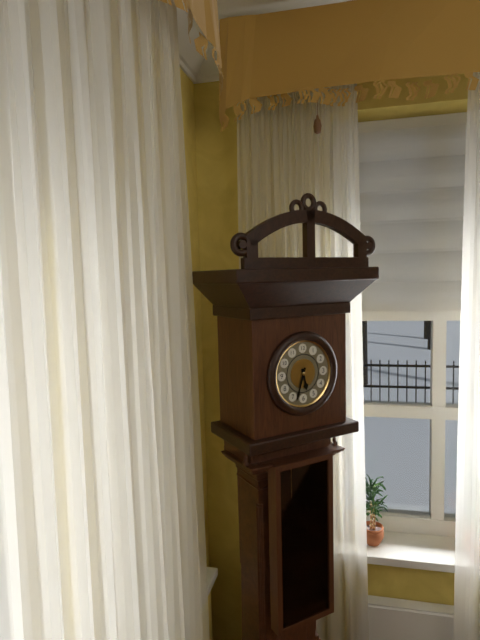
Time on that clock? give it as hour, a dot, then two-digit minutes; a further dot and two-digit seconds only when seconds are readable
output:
5.33
